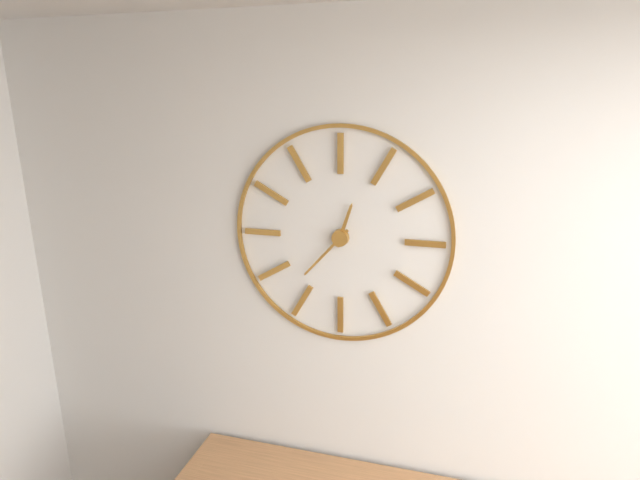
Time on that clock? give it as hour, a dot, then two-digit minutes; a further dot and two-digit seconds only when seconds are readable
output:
12.37
